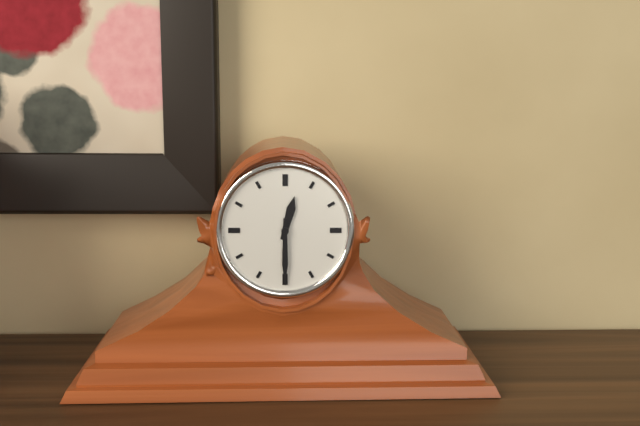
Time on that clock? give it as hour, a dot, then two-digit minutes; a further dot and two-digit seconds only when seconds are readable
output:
12.30
